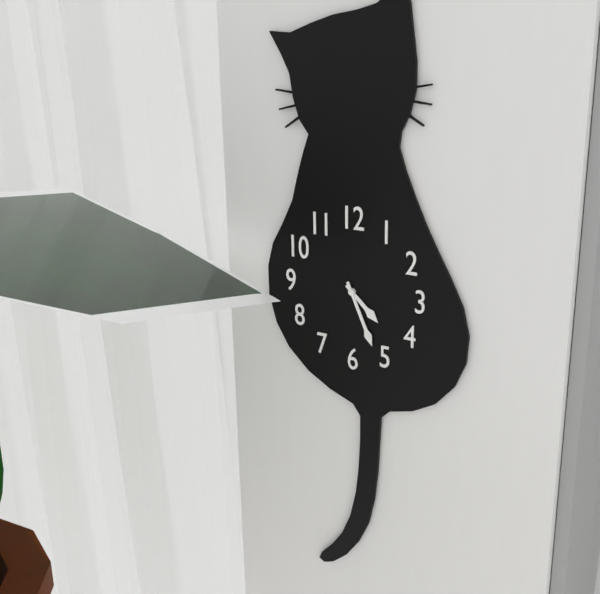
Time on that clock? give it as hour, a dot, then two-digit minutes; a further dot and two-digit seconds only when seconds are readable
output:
4.26
